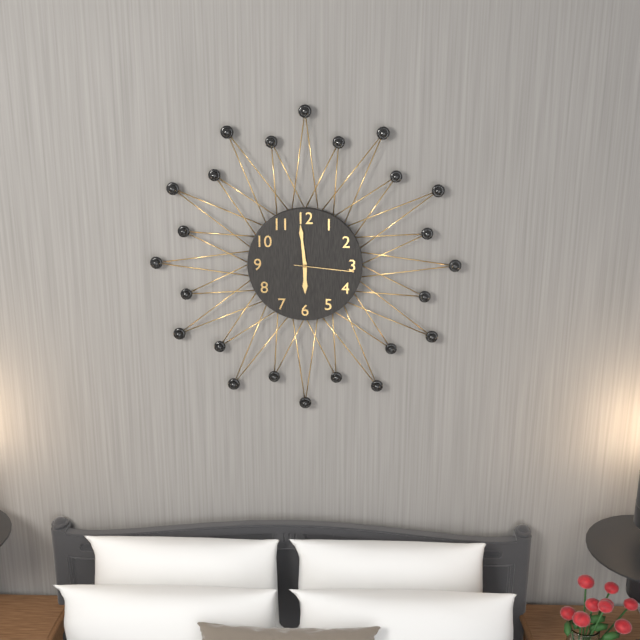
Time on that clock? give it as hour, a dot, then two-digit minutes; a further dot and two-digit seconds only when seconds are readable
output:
5.59.16
